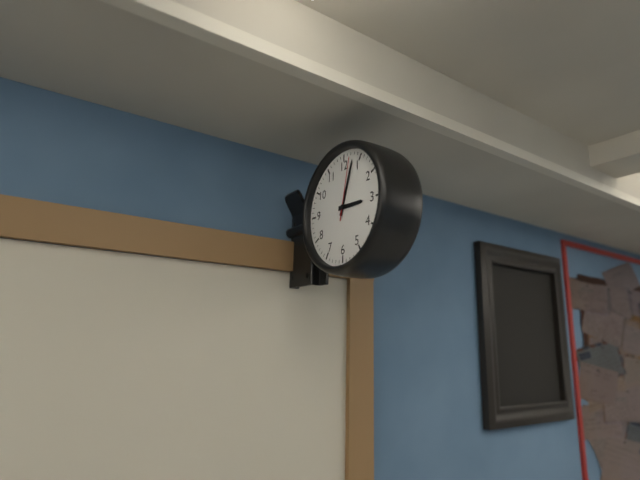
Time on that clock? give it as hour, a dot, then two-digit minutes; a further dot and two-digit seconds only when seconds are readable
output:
3.03.02
